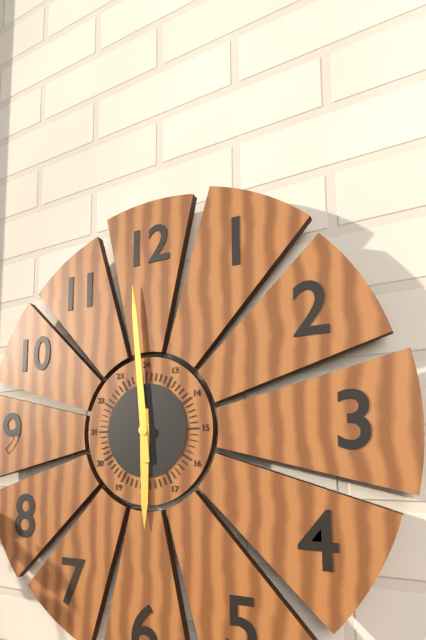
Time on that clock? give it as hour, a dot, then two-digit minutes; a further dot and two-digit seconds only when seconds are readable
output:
5.59
